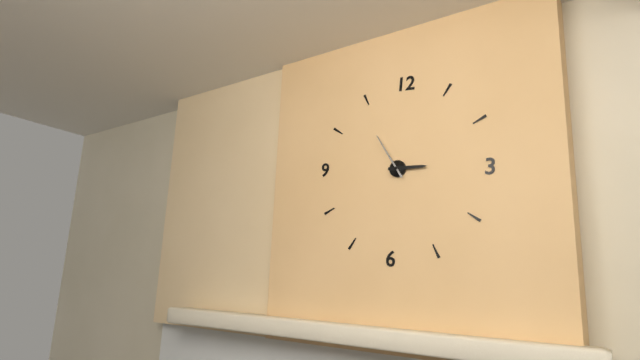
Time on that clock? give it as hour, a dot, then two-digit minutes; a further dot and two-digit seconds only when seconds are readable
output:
2.54
